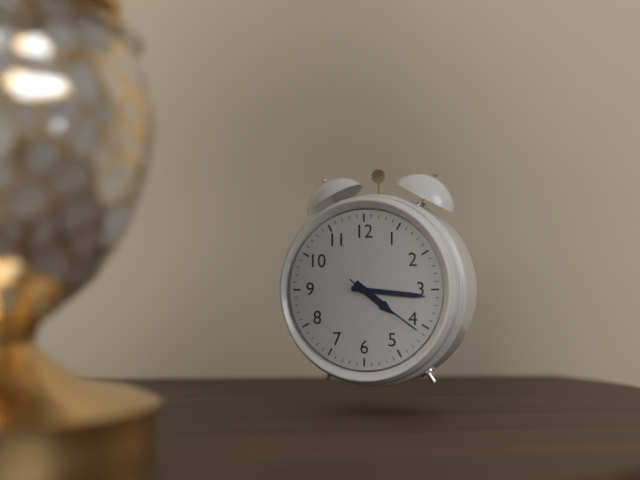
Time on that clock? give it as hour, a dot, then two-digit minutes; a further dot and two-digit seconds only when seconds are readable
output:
4.16.21
